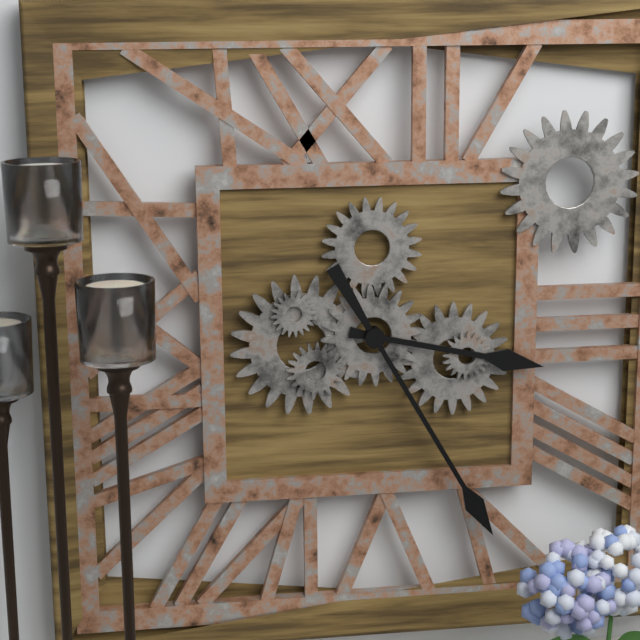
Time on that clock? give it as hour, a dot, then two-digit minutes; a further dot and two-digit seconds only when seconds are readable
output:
3.25
